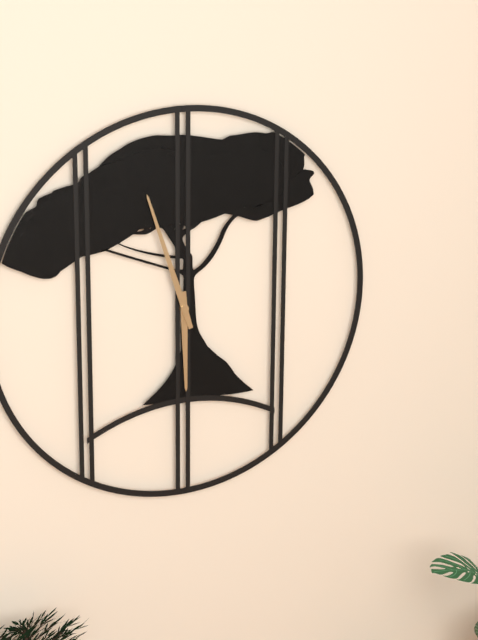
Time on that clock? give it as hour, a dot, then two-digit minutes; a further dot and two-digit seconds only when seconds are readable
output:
5.57
